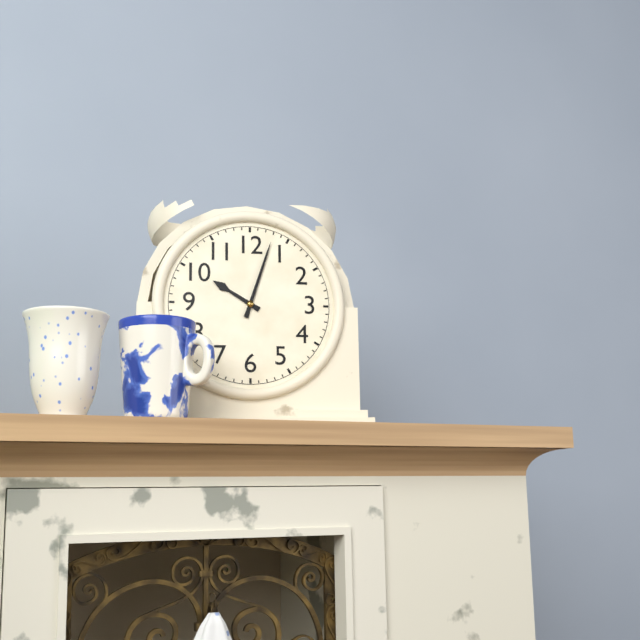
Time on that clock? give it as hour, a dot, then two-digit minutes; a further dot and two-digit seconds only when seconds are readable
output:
10.03
